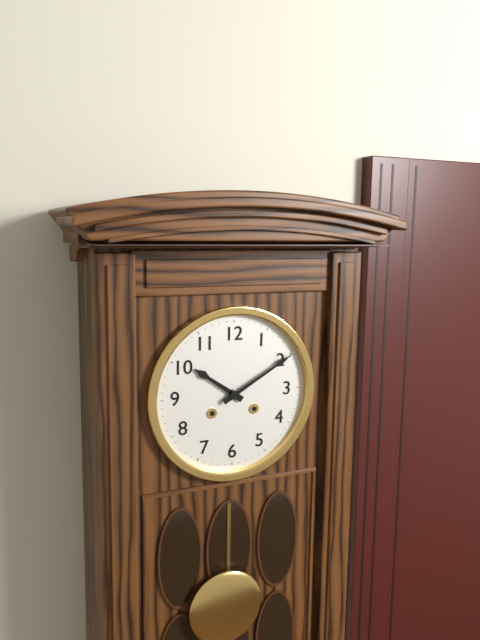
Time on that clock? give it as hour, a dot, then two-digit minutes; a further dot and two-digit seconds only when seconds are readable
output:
10.10
